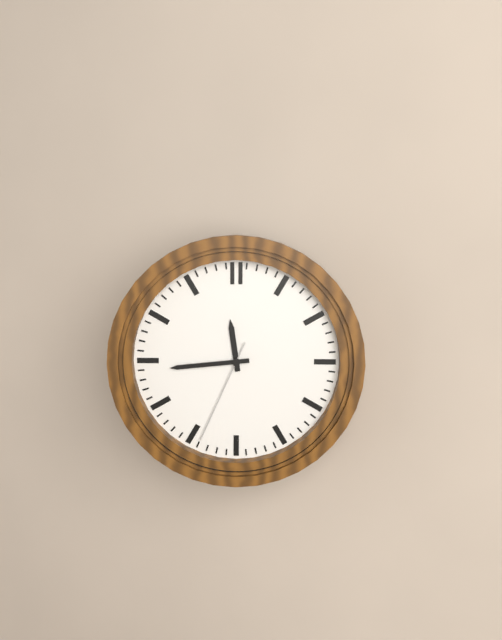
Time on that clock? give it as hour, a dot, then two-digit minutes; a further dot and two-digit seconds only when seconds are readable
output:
11.44.34
